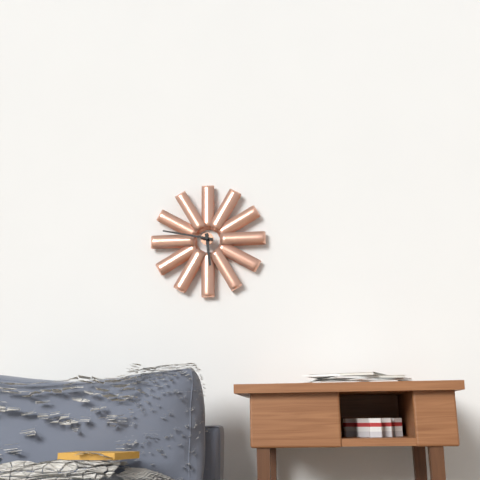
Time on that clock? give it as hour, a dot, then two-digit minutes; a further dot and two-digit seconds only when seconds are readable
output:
5.47
